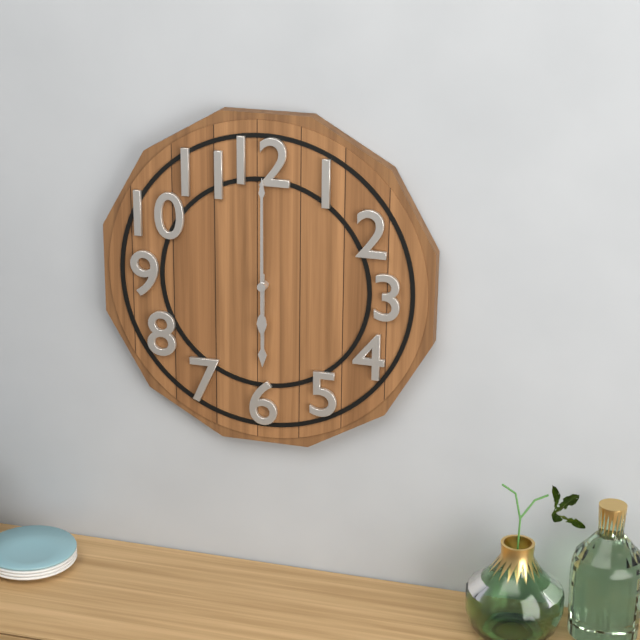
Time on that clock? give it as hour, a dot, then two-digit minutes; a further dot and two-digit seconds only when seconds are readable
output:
6.00
